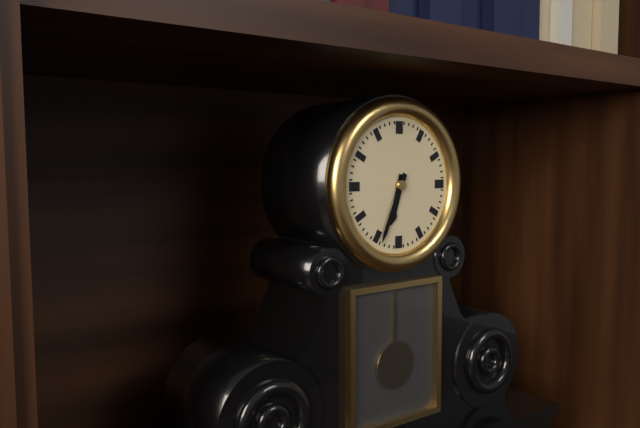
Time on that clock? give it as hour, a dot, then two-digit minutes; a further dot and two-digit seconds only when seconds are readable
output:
6.34
